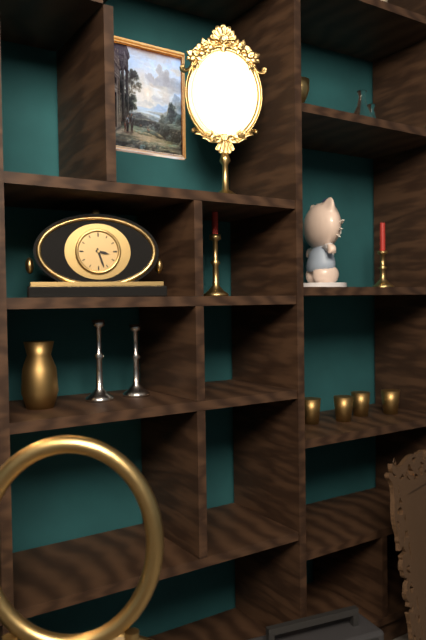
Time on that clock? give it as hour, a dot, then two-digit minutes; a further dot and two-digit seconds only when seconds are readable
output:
3.27
